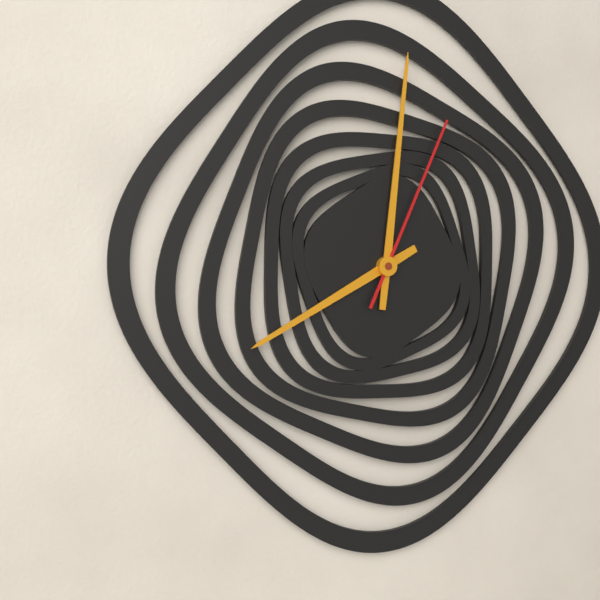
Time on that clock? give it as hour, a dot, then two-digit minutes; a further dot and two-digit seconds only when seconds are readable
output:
8.01.04
